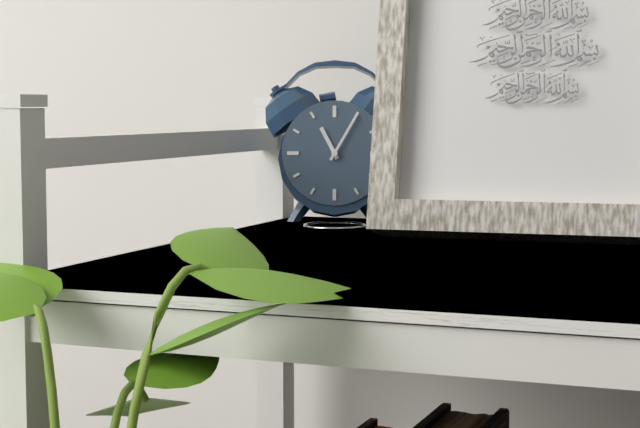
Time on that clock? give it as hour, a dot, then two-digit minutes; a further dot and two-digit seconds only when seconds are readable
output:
11.05
